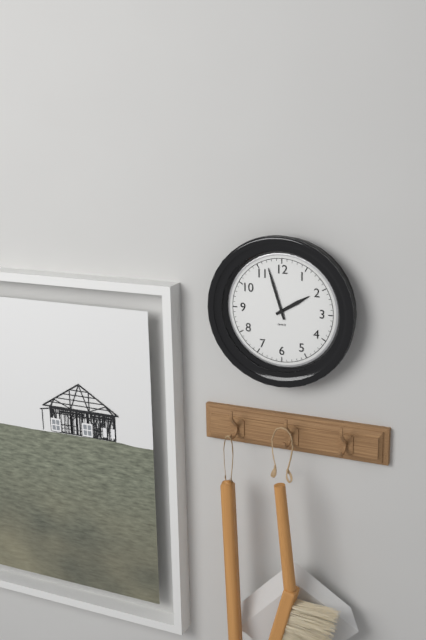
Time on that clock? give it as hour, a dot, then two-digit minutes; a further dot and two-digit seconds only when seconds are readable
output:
1.57
